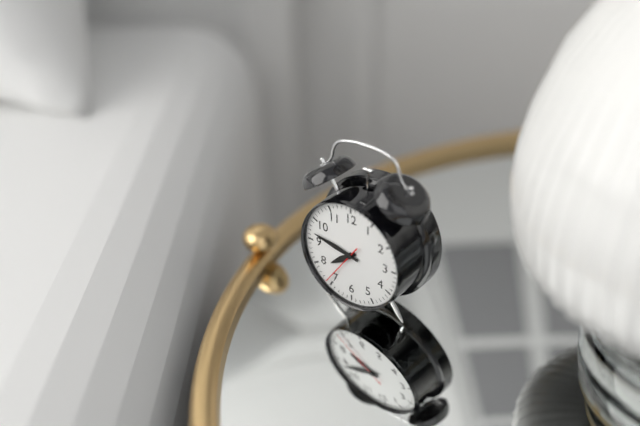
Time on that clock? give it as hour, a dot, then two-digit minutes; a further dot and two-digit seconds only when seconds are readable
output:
7.47.36
